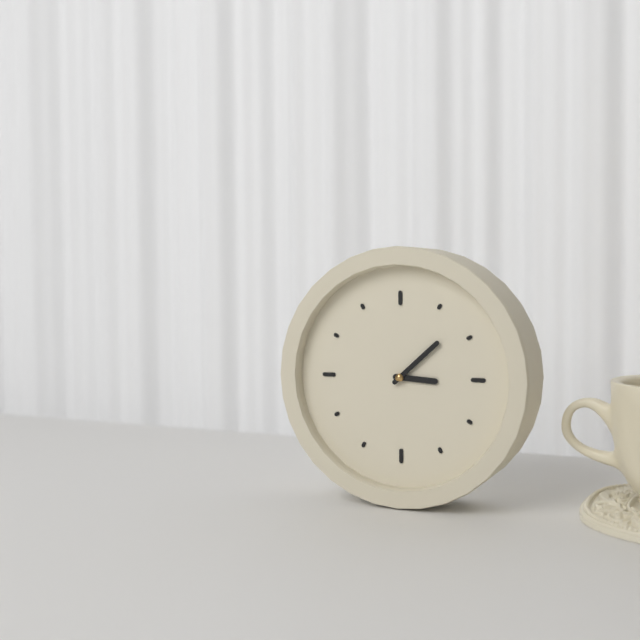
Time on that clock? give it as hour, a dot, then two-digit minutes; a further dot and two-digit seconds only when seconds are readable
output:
3.08
